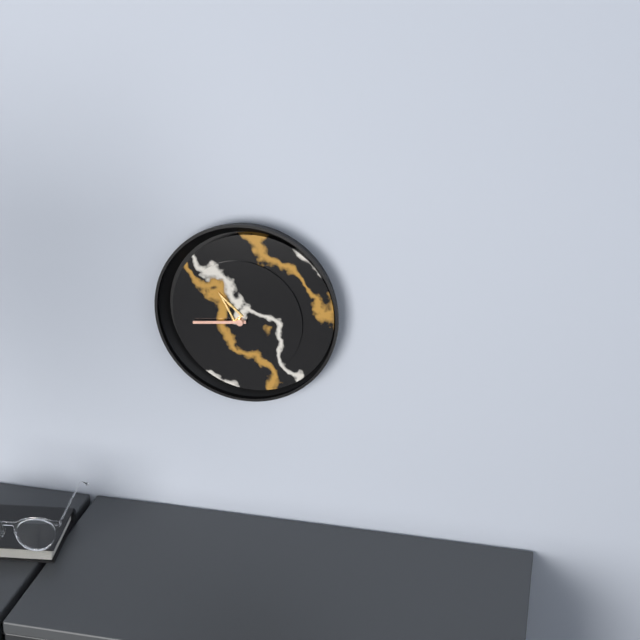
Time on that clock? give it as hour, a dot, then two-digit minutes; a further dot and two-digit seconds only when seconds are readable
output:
10.44
